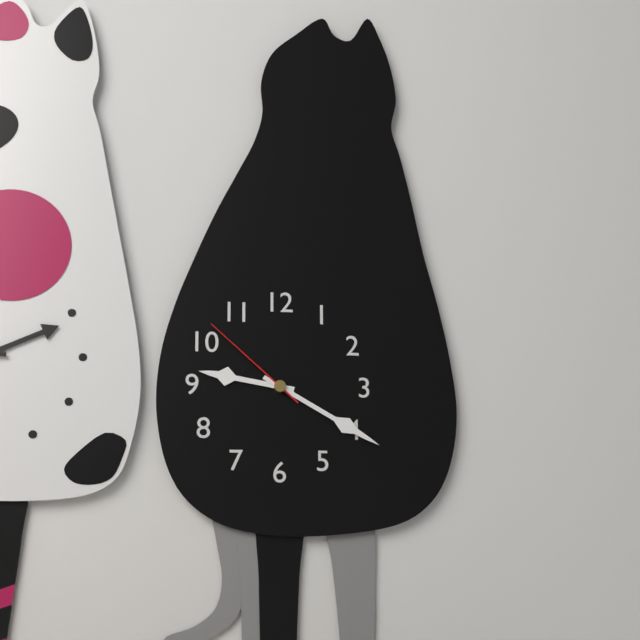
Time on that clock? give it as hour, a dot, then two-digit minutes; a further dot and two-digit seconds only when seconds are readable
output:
9.20.52
